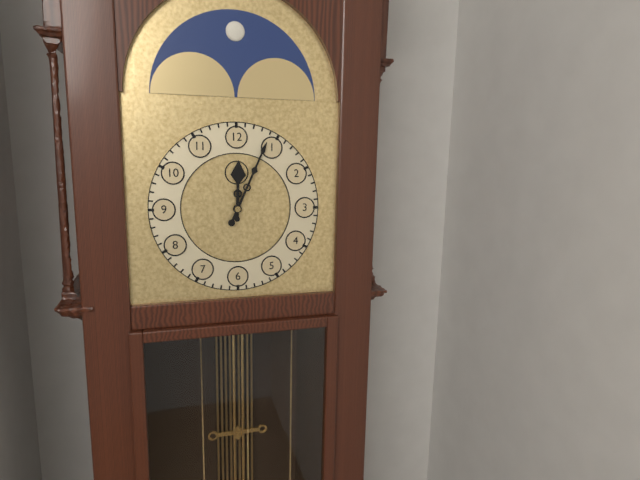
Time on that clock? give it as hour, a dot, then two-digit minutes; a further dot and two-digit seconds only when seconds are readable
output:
12.04
